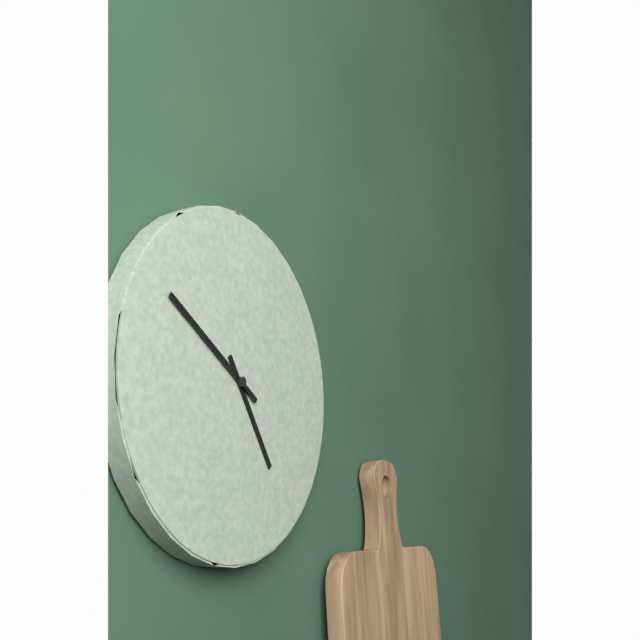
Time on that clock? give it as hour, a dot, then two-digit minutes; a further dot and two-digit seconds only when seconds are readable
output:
4.50
